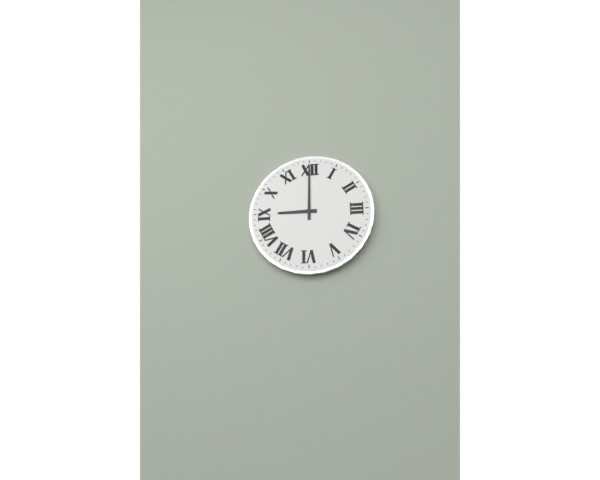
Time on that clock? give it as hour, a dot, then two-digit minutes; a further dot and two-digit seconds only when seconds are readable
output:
9.00
